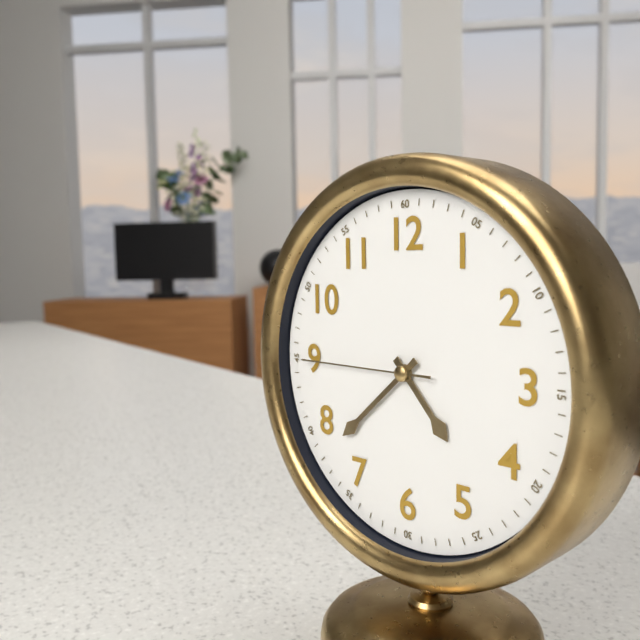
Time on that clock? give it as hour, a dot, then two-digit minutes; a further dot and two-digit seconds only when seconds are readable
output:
4.38.45
